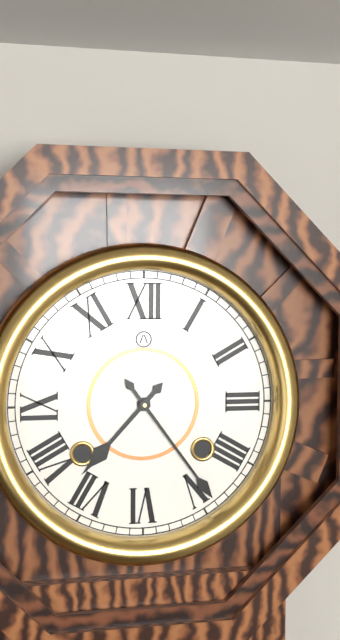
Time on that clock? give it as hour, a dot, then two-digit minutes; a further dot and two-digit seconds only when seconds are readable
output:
7.24
